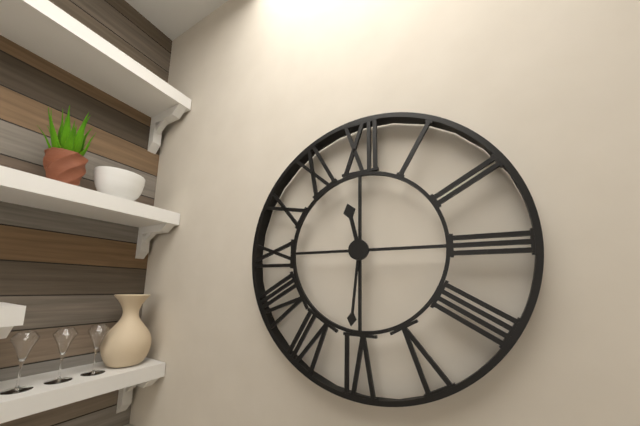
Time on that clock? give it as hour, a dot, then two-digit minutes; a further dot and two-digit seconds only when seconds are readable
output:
11.31
